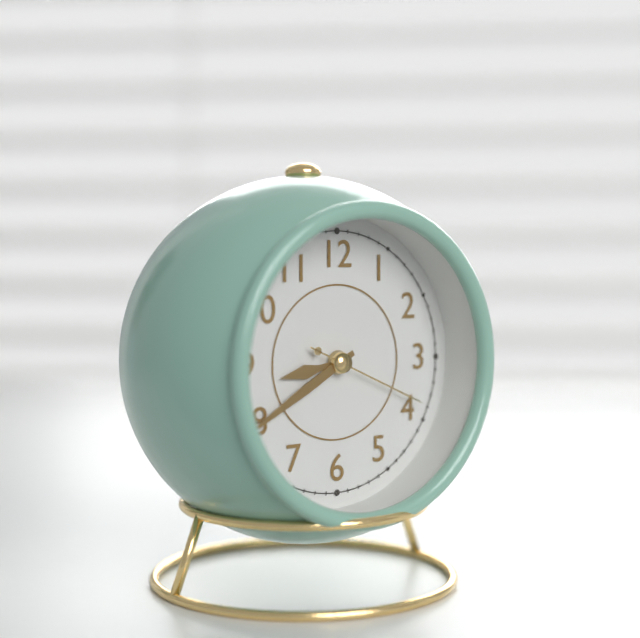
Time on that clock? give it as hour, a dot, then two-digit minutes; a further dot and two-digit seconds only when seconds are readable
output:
8.40.19
